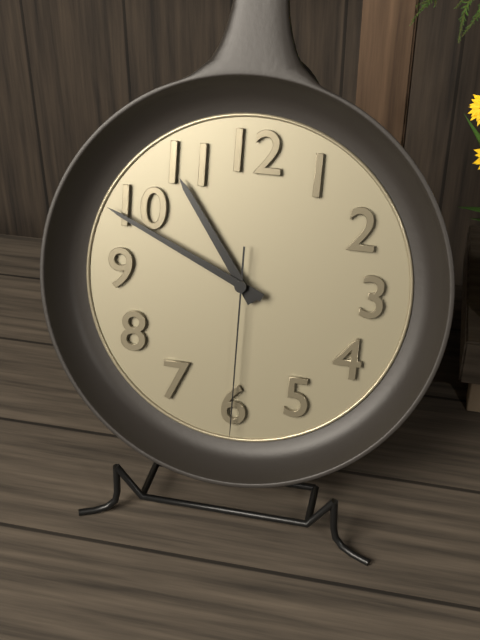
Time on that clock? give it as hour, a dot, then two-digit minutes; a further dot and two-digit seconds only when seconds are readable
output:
10.49.30
